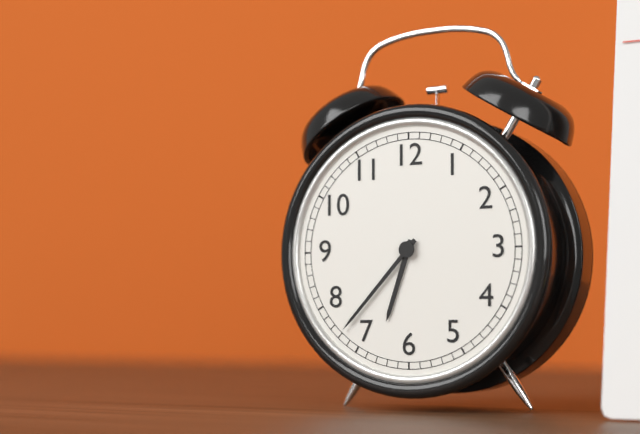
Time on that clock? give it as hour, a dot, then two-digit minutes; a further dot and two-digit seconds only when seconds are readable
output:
6.37
